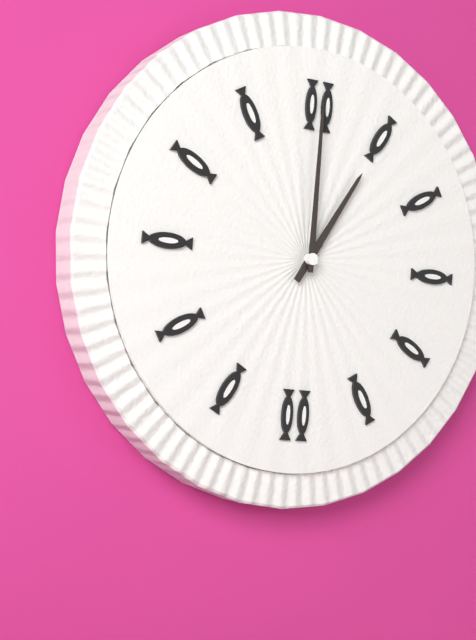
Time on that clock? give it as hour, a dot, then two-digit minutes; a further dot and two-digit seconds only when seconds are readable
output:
1.00
